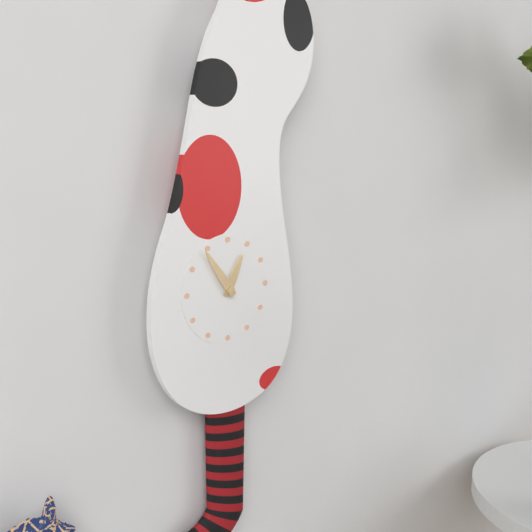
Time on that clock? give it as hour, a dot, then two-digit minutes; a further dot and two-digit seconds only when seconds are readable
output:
12.54
